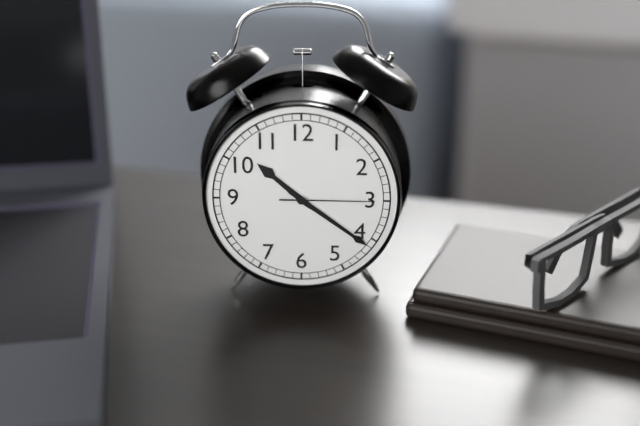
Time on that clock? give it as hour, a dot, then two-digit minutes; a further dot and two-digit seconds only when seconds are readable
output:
10.21.15
